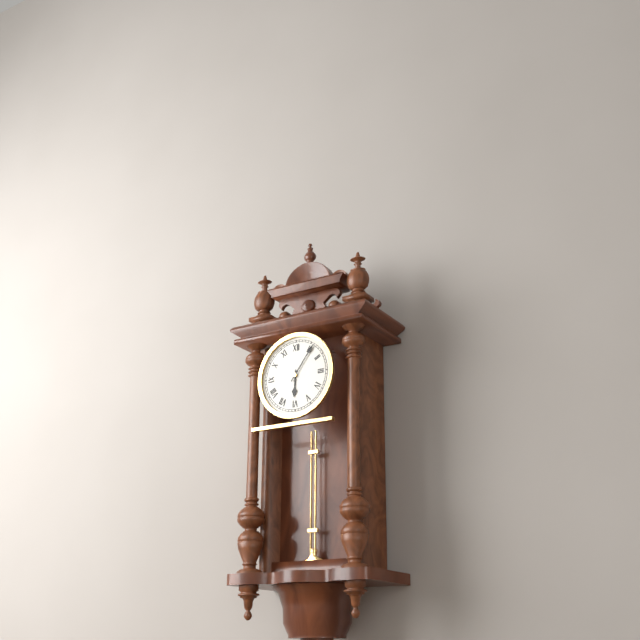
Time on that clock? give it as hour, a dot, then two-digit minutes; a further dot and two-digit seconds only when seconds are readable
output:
6.06
